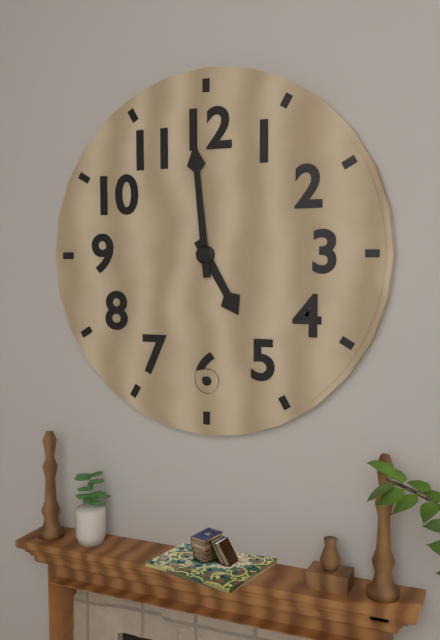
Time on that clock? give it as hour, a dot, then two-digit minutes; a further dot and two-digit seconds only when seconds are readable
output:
4.59
